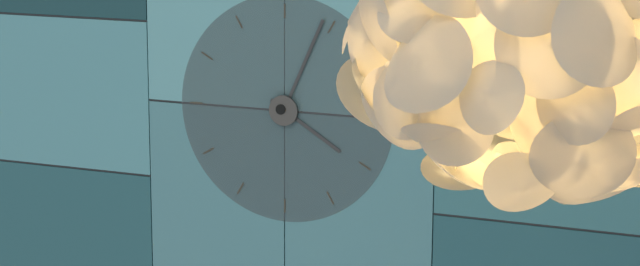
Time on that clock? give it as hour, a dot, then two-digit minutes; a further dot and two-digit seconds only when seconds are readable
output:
4.04
